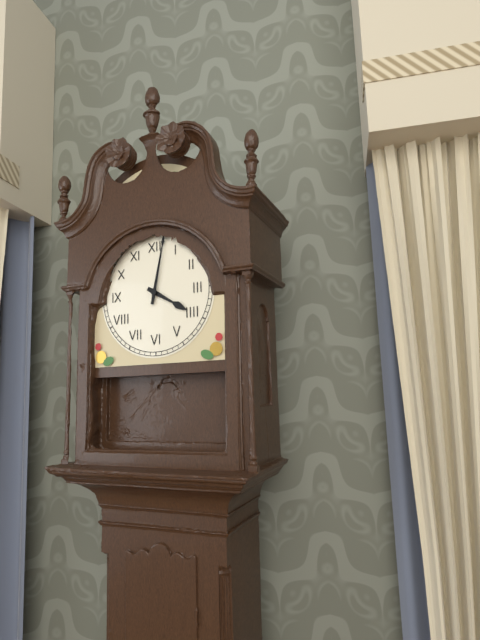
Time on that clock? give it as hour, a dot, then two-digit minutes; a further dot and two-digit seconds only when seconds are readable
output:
4.02
